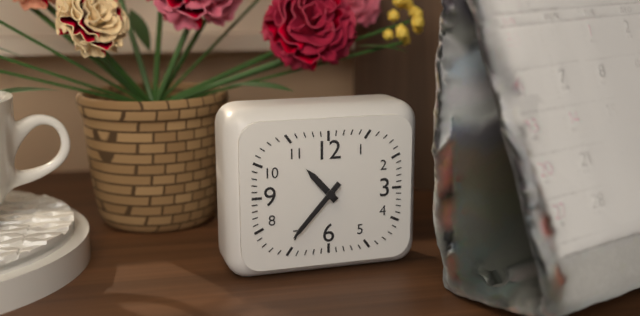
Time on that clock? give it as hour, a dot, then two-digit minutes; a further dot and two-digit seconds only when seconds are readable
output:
10.37
